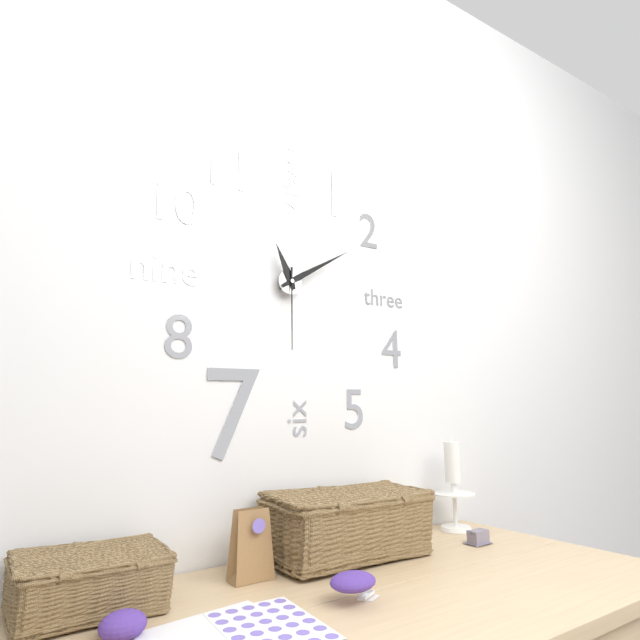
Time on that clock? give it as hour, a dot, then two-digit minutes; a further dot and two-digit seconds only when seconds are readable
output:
11.10.30
